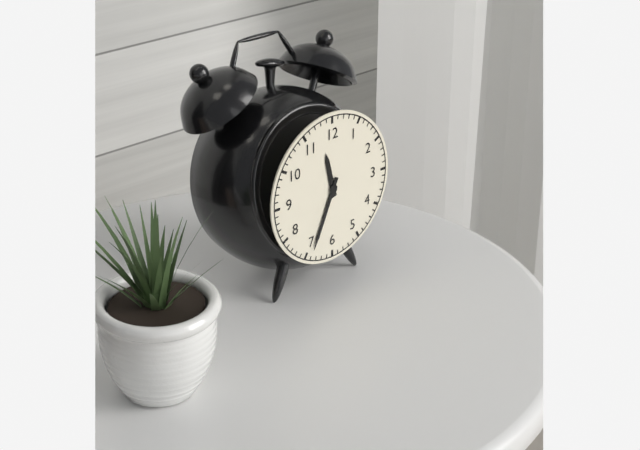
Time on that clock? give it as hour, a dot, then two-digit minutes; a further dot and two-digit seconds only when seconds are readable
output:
11.34
